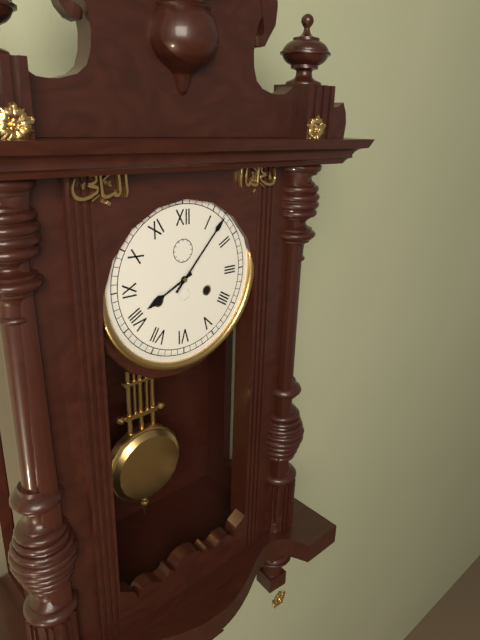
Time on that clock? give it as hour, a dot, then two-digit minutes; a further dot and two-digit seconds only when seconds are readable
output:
8.07
